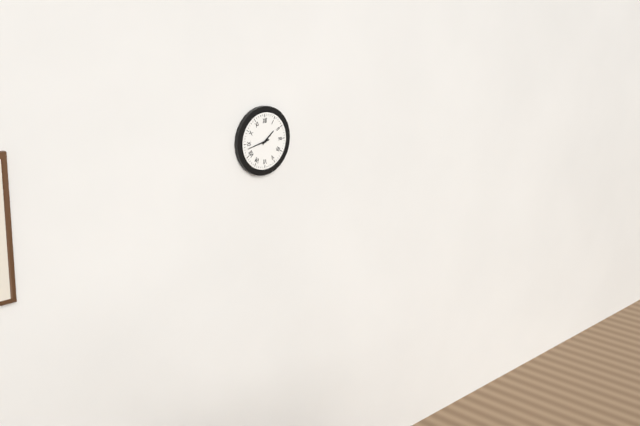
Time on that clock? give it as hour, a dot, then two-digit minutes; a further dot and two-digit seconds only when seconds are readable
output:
1.43
